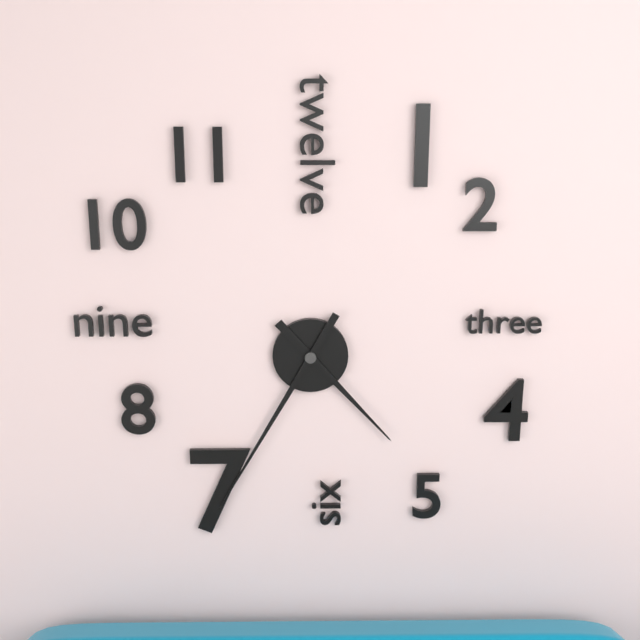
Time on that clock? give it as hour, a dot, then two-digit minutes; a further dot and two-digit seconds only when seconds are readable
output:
4.35
